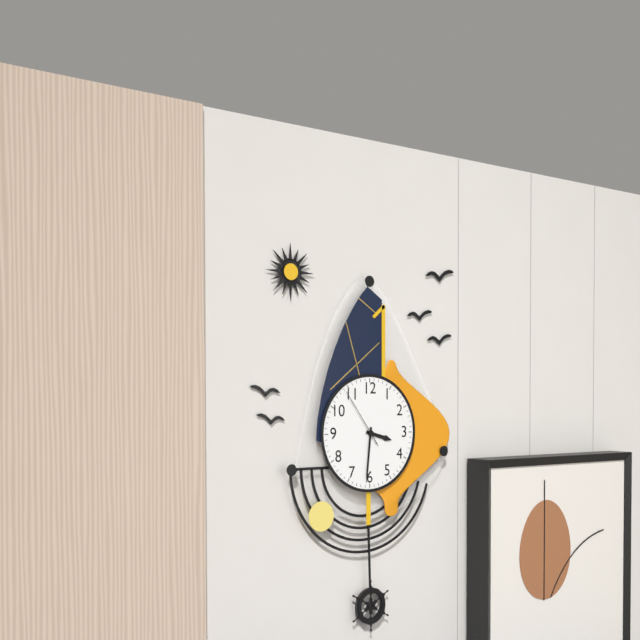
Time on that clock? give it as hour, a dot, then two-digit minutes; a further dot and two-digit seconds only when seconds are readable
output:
3.31.54
